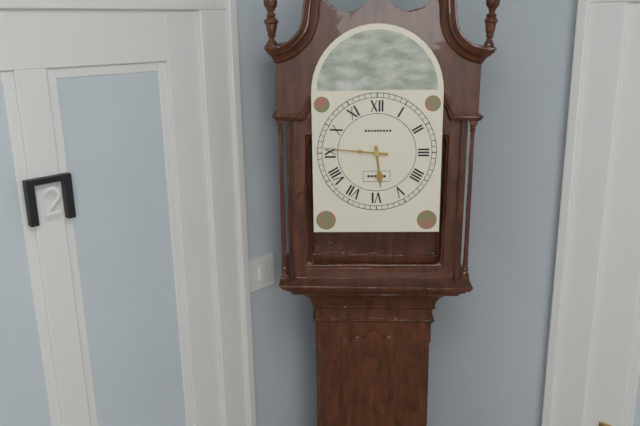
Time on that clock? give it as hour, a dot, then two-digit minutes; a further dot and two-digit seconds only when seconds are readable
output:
5.46
